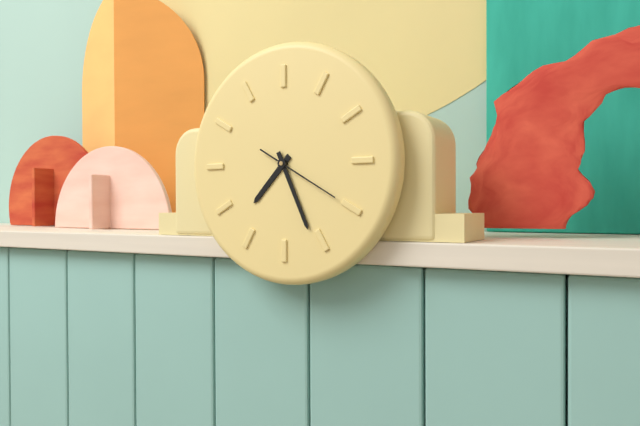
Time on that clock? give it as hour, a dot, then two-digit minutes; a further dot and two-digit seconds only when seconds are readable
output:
7.26.20
